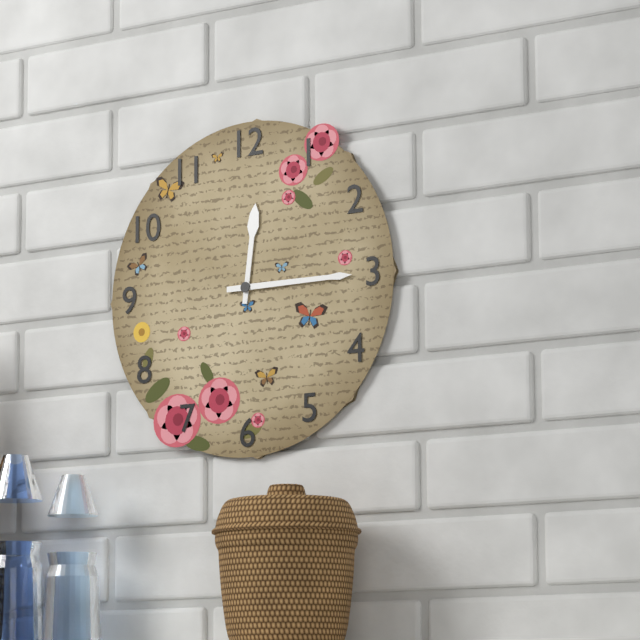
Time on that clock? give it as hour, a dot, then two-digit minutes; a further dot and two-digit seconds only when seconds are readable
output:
12.15
